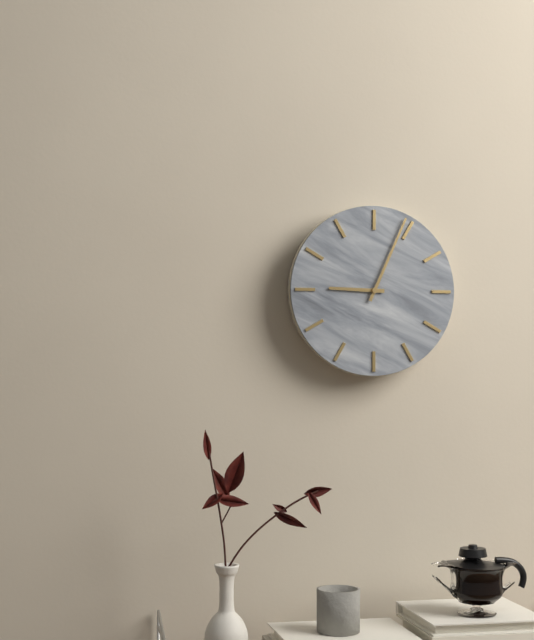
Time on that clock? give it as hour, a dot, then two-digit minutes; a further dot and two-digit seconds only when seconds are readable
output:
9.04
